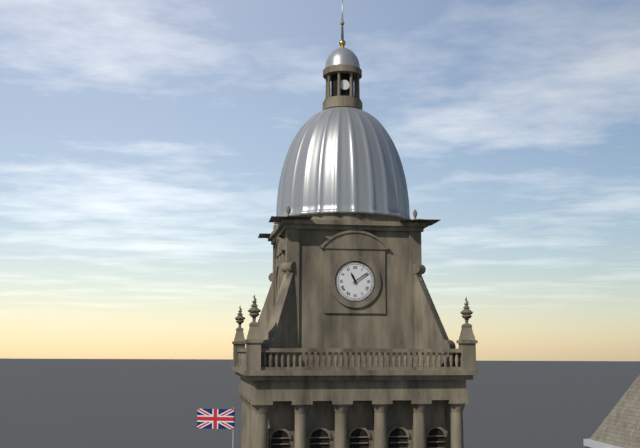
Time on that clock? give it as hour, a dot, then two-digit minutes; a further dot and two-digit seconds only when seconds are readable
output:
11.09
